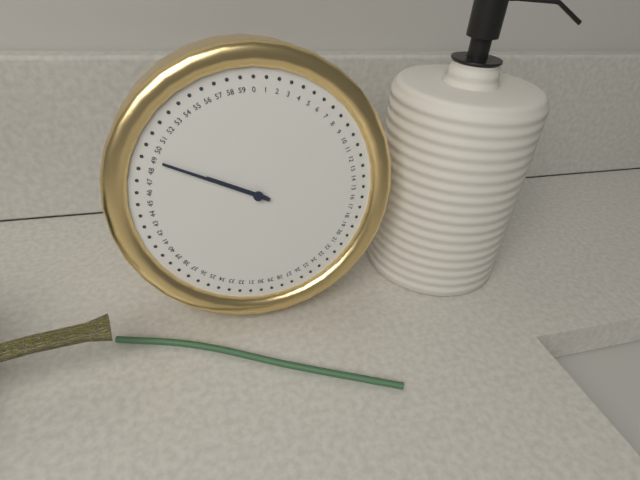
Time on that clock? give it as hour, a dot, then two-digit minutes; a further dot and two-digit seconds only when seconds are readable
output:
9.49
